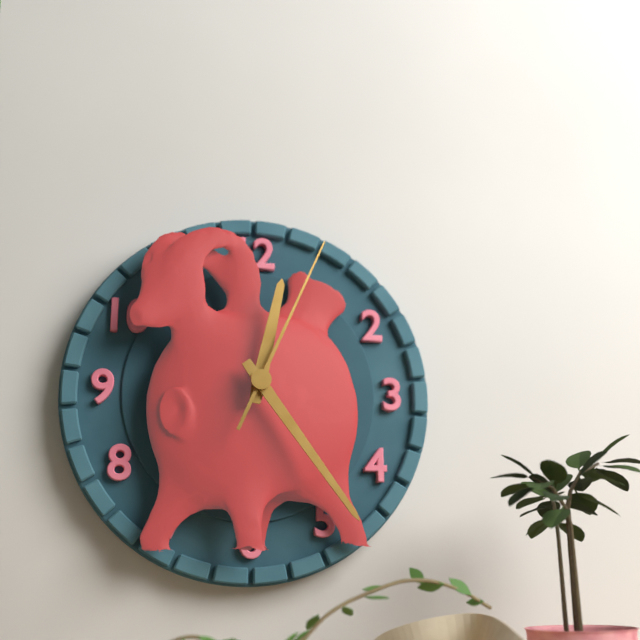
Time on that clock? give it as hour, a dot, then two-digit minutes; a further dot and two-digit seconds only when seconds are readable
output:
12.24.04
